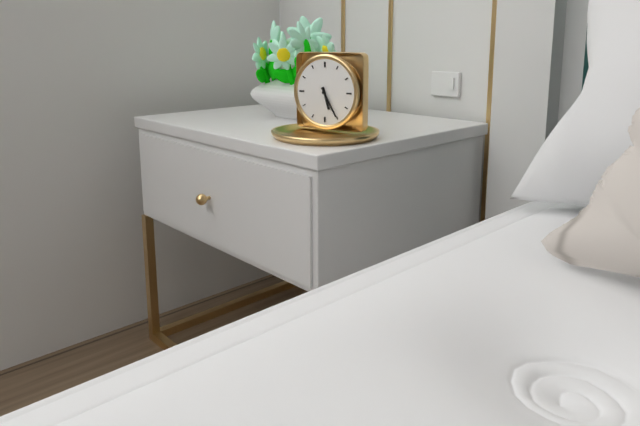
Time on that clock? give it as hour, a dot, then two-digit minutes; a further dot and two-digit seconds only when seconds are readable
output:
5.25
